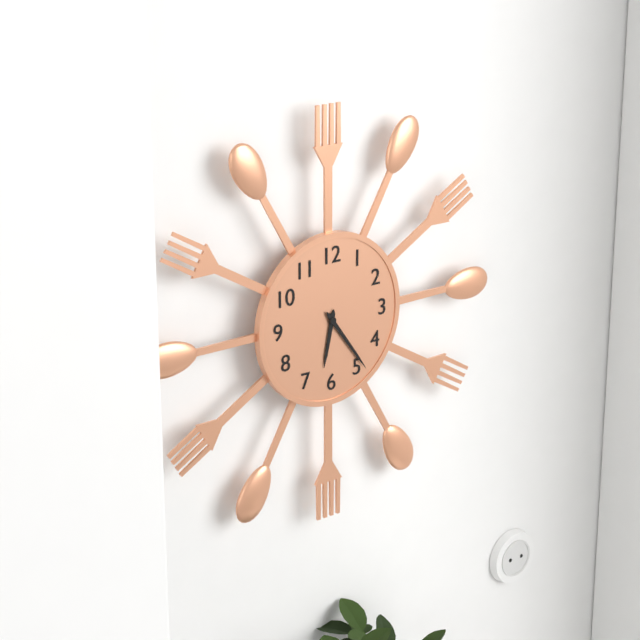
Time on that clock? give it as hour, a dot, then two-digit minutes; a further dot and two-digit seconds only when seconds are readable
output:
6.24
